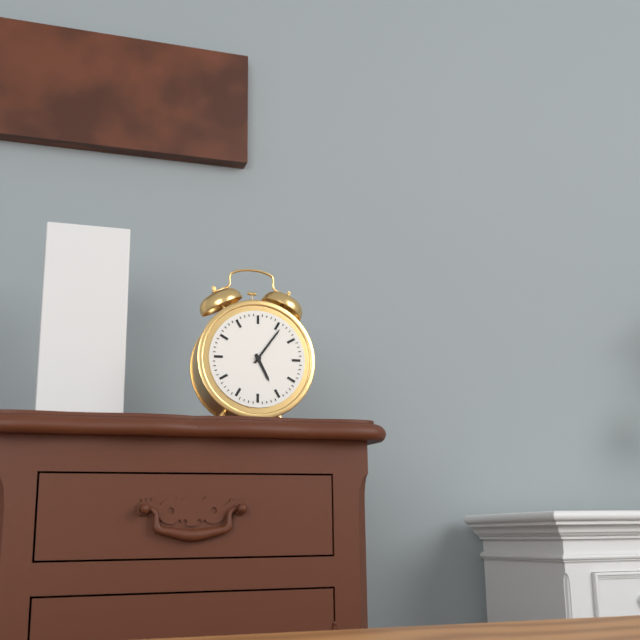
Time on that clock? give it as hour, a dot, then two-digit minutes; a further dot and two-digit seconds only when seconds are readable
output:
5.06
